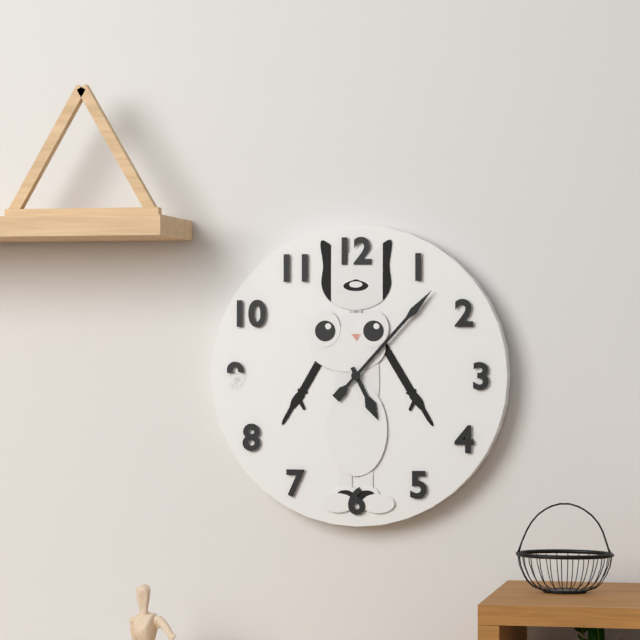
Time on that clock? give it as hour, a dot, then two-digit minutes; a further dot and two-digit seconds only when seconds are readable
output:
5.07
